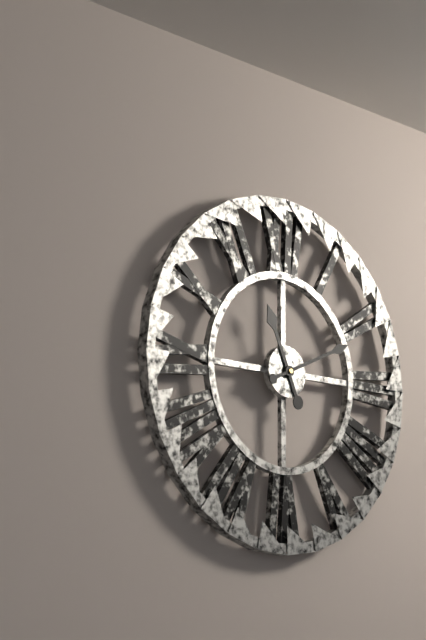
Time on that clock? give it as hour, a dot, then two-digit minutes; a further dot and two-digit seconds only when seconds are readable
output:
11.11
